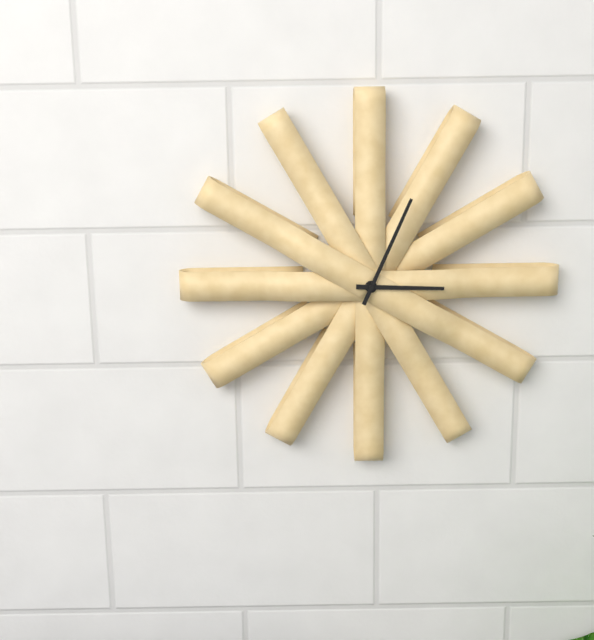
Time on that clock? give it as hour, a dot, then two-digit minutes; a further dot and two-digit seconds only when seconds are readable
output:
3.04
